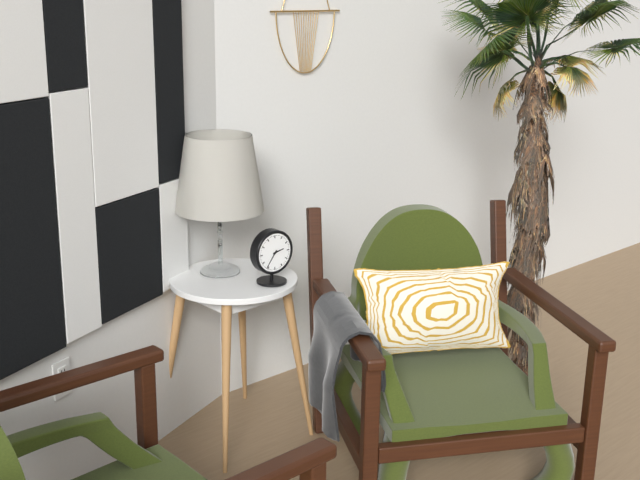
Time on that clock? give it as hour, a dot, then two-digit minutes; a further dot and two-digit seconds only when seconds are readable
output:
2.36
